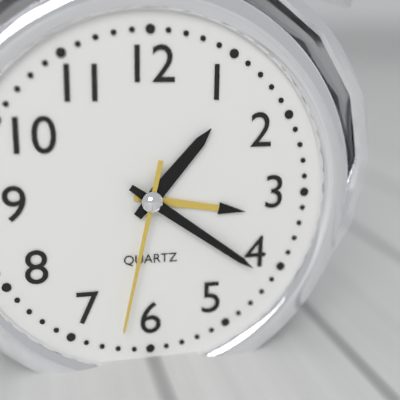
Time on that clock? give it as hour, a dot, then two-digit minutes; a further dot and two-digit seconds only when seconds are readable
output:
1.21.32
